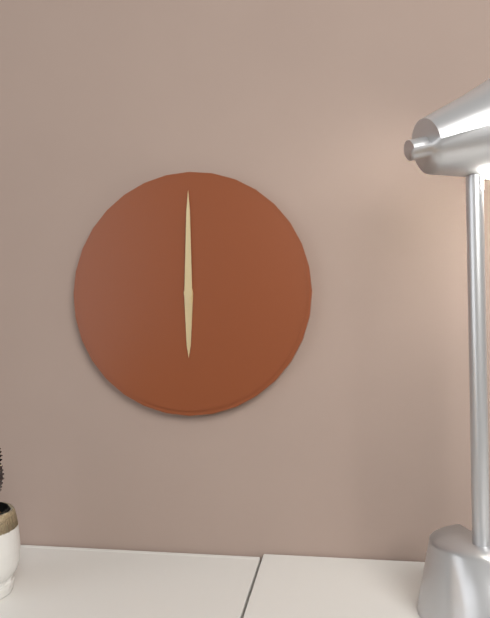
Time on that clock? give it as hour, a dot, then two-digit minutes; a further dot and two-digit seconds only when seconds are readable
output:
6.00
